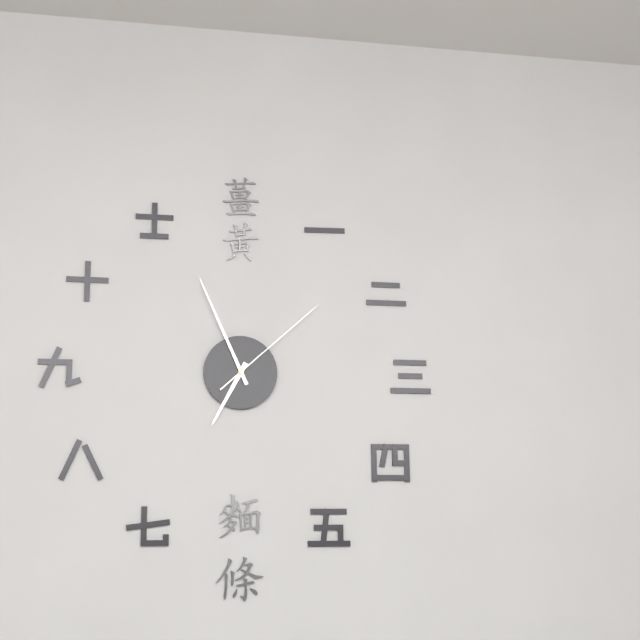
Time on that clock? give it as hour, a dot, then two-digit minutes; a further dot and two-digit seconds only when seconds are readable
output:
6.56.08
